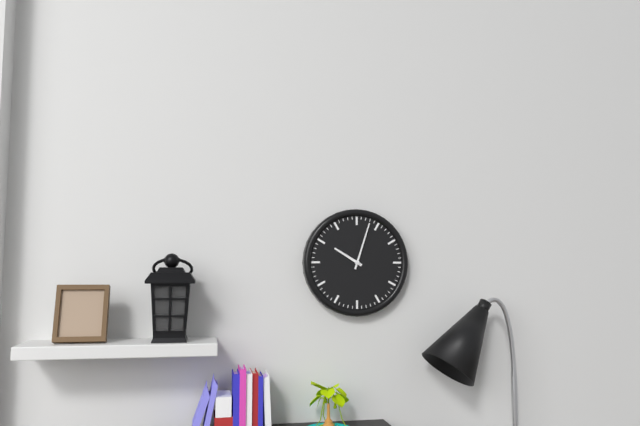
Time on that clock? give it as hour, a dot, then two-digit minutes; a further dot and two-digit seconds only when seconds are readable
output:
10.03
